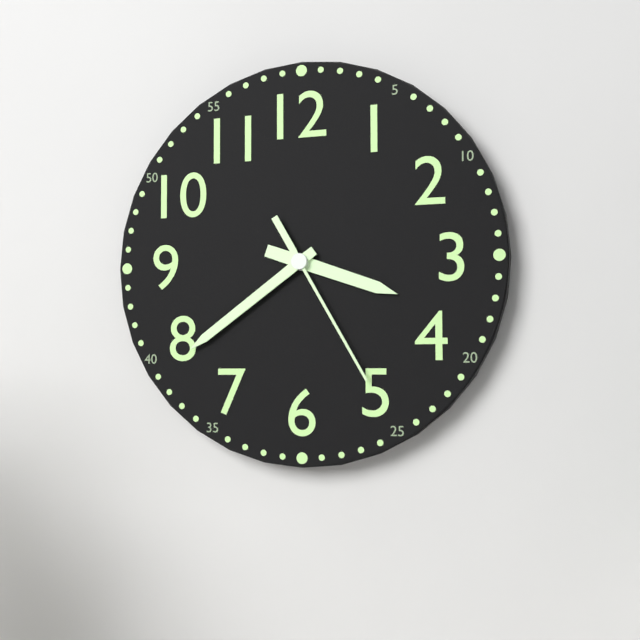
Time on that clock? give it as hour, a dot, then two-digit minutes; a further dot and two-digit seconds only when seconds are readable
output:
3.39.25
